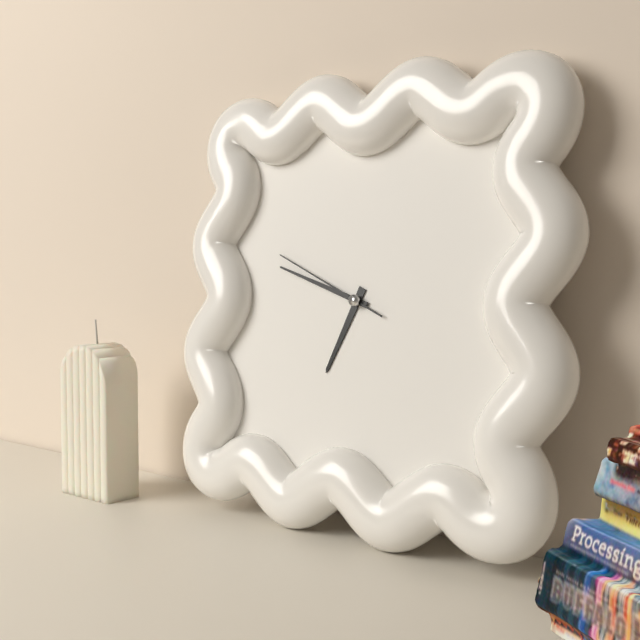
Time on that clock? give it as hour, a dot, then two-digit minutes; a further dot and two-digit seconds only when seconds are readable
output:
6.48.49
